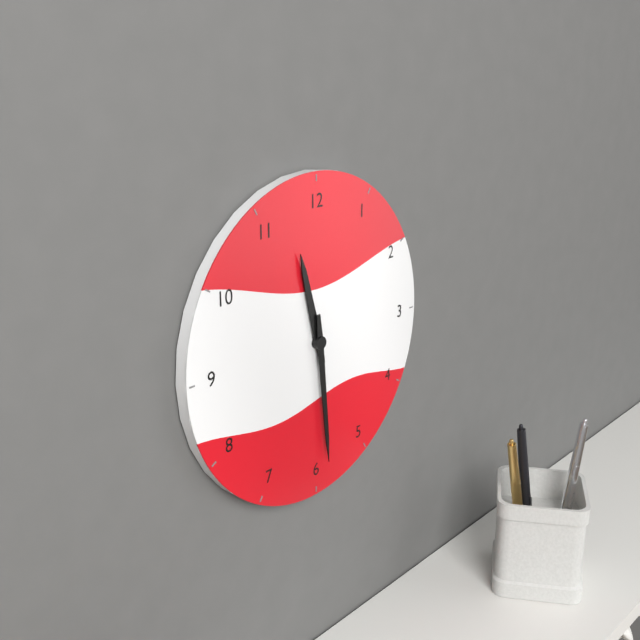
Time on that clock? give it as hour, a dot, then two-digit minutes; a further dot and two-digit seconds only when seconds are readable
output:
11.29
